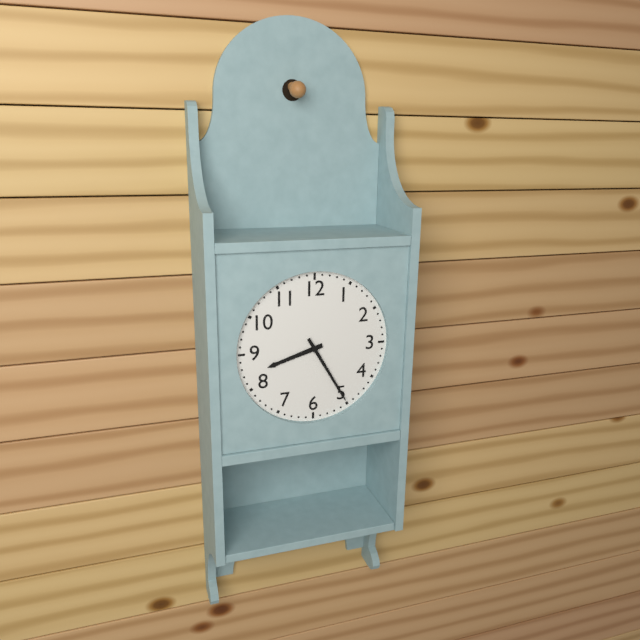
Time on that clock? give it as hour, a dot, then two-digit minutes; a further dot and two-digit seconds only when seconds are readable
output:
8.25
